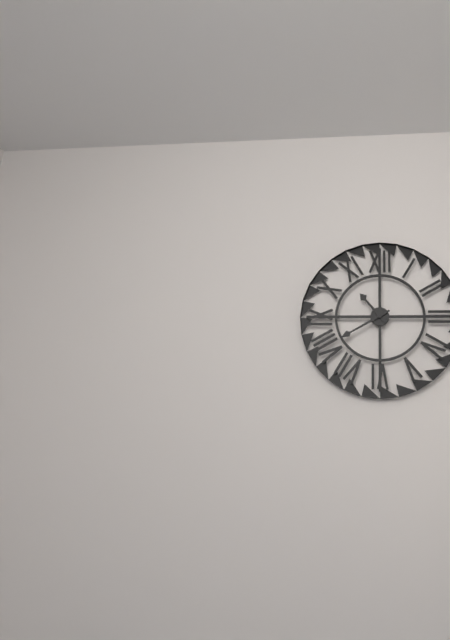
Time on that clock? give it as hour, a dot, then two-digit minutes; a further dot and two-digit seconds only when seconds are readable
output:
10.40
